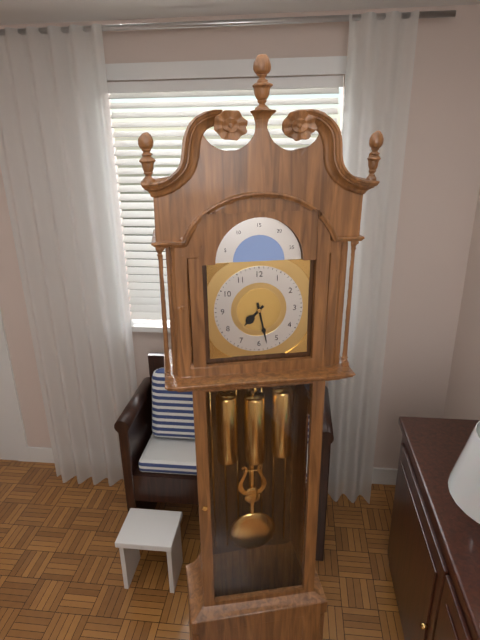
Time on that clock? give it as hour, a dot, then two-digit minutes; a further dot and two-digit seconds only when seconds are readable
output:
7.28
